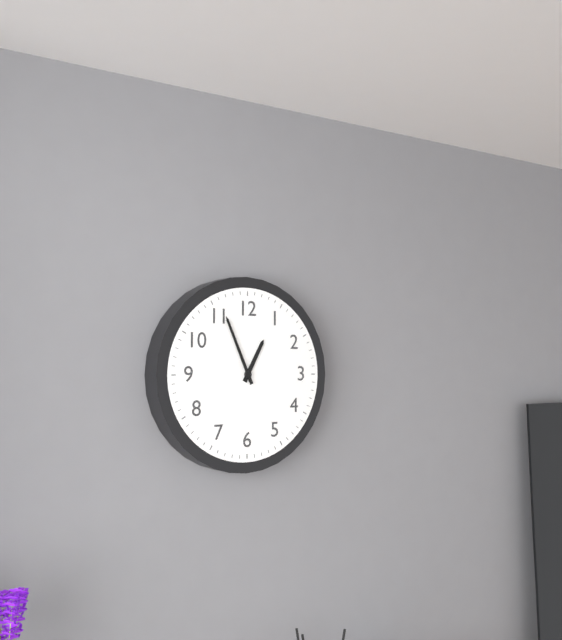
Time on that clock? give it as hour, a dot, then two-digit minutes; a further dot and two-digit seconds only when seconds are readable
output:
12.56
